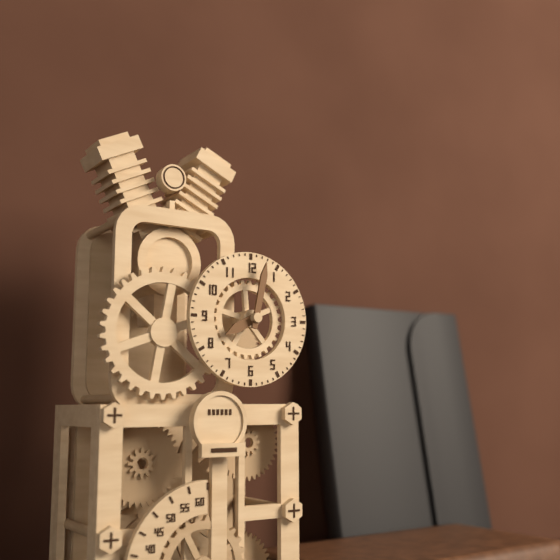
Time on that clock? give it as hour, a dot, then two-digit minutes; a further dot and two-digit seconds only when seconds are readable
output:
8.02
